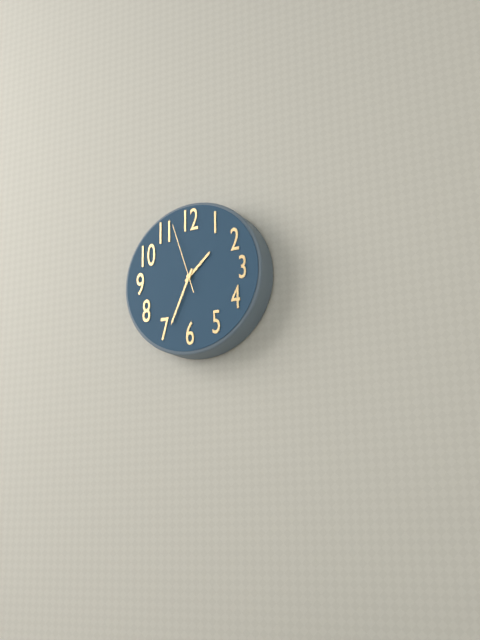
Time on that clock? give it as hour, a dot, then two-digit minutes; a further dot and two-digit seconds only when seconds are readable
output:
1.34.57
